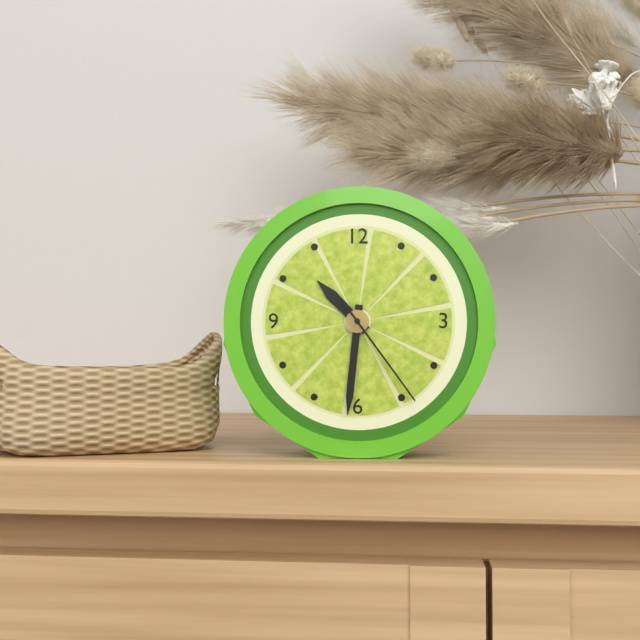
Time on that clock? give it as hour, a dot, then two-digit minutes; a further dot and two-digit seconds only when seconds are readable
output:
10.31.24
